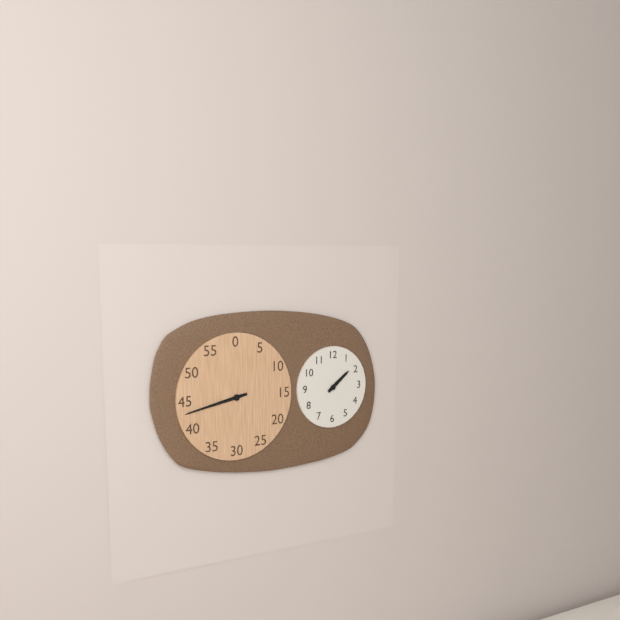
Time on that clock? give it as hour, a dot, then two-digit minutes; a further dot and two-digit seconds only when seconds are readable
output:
1.43
